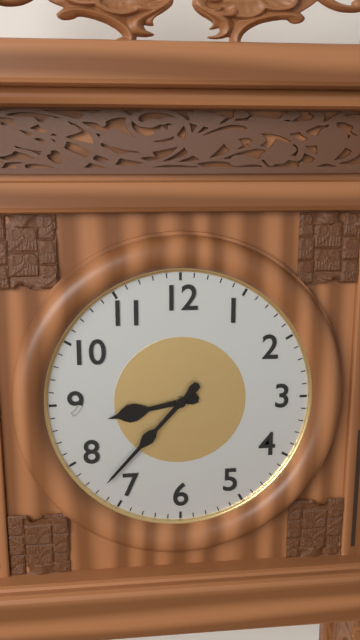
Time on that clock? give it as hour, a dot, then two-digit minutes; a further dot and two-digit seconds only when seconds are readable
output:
8.37
